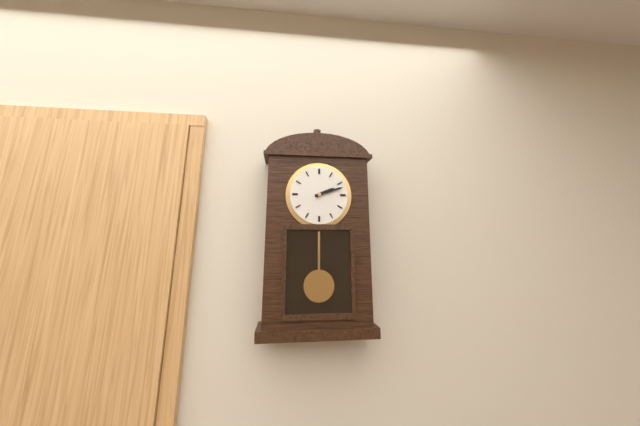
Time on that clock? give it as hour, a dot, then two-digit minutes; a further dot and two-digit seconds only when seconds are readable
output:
2.12
